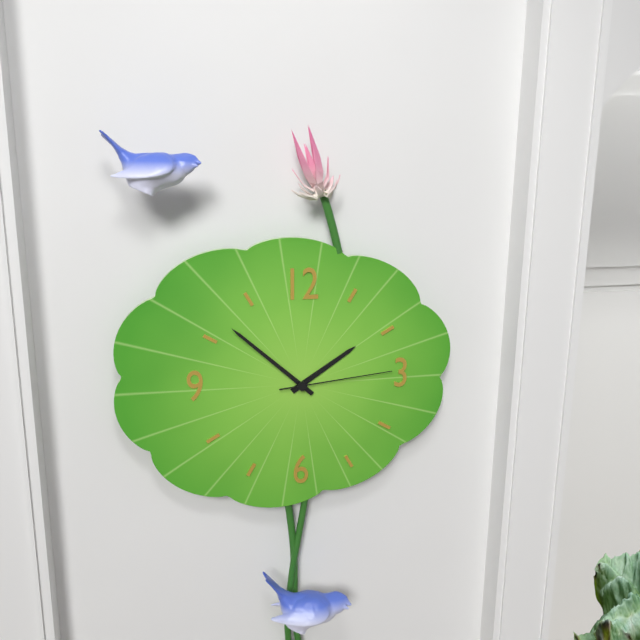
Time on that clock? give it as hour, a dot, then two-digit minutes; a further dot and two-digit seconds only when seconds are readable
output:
1.52.14
